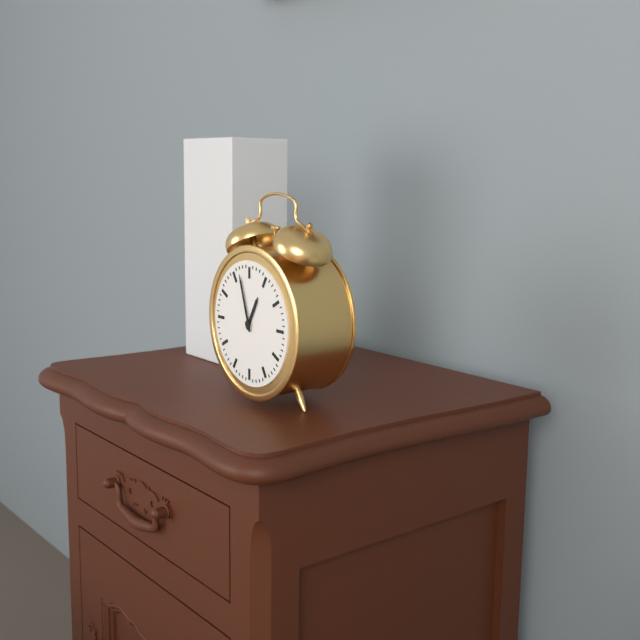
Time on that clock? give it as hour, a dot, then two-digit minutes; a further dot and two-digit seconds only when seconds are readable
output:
12.57
